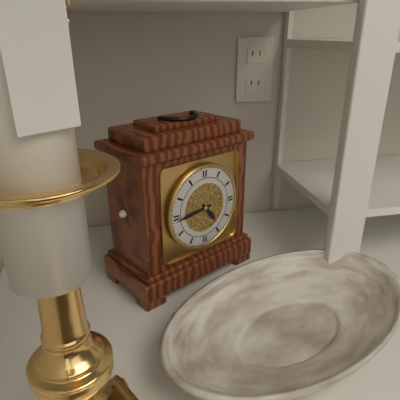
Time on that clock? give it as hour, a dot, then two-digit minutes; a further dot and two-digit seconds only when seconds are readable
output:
4.44
